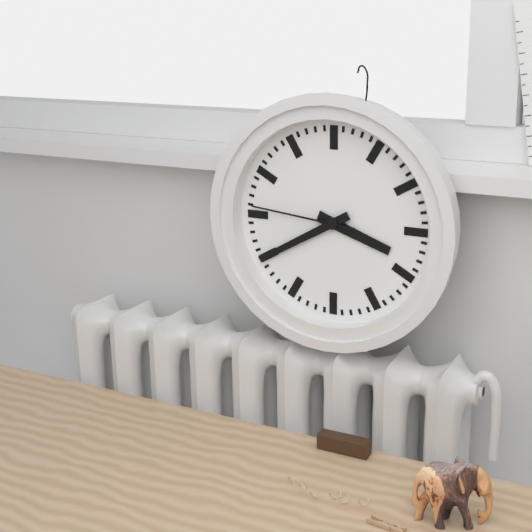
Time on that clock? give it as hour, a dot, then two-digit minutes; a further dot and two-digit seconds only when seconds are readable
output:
3.40.46
